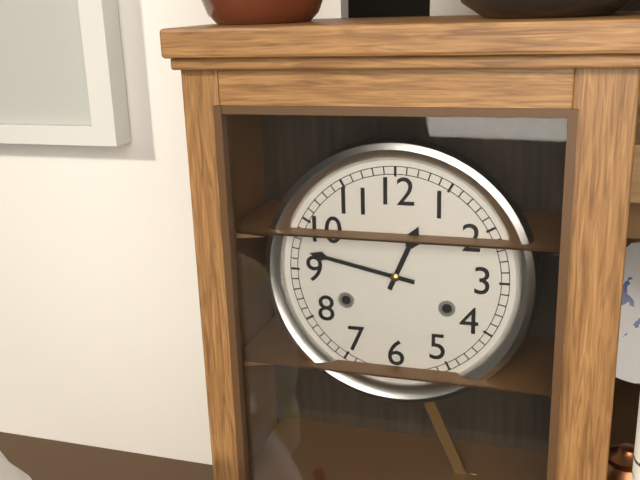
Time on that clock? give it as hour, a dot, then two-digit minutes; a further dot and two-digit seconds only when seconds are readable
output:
12.47
